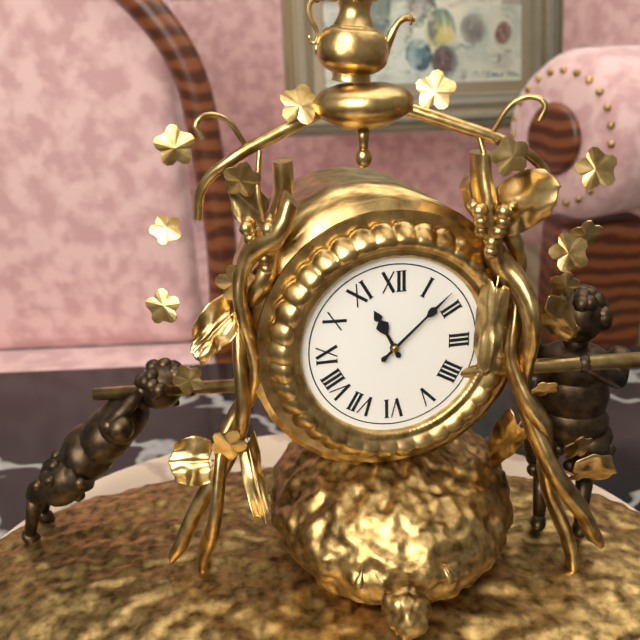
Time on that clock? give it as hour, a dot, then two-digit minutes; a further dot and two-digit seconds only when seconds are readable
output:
11.08
